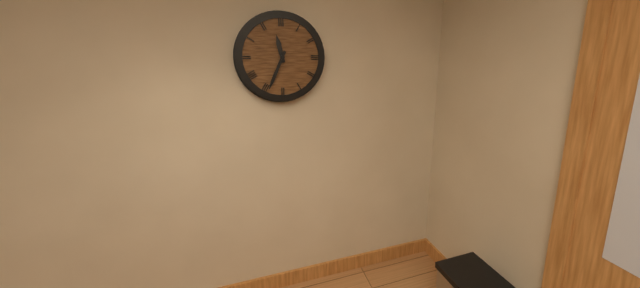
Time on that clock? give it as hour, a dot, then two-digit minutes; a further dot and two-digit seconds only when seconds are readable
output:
11.34
